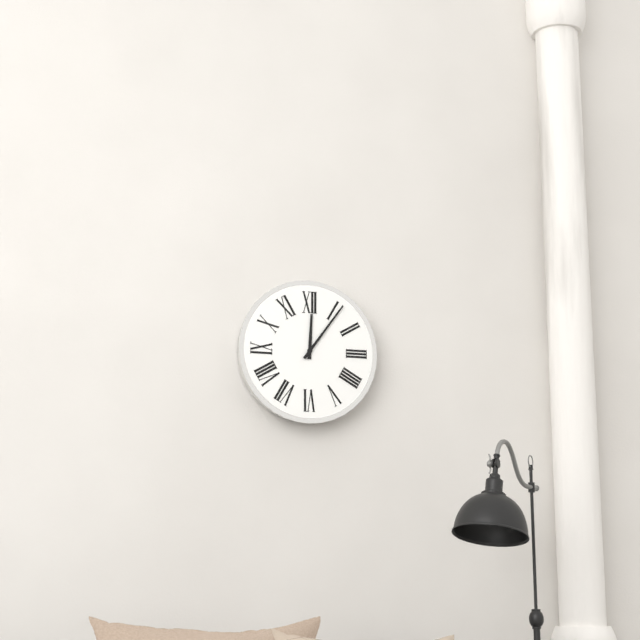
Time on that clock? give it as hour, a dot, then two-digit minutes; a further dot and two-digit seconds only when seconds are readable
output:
12.06
